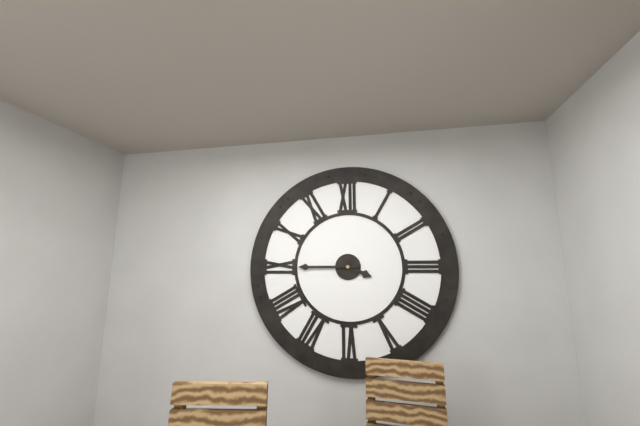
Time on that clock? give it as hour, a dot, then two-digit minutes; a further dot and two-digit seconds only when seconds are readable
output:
3.45
